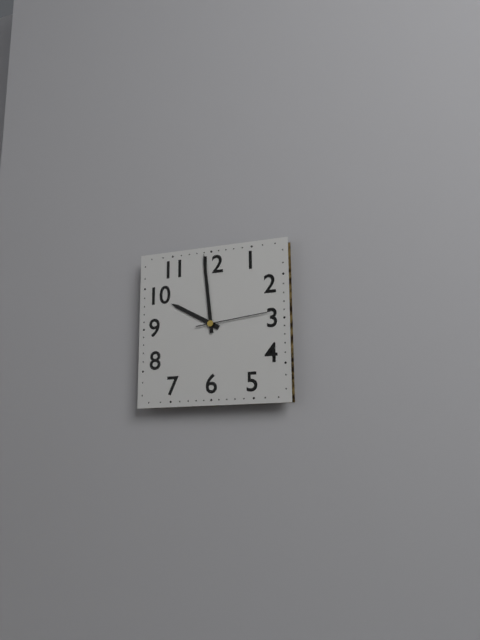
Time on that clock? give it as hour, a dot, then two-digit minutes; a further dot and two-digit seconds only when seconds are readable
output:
9.59.14
